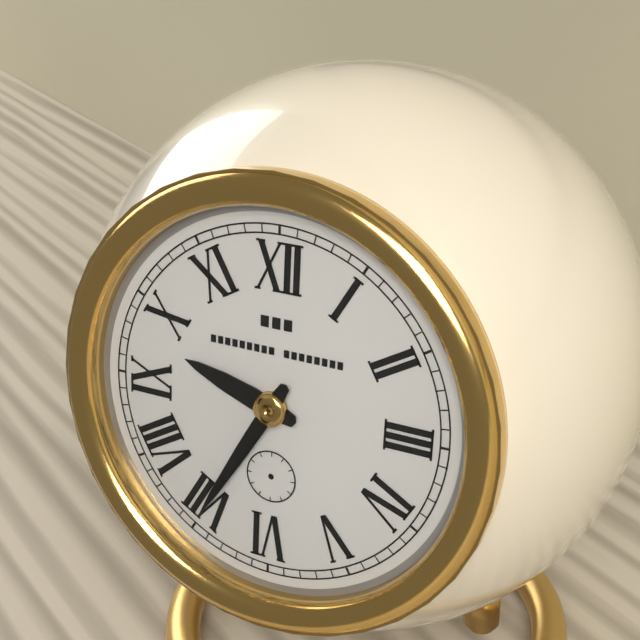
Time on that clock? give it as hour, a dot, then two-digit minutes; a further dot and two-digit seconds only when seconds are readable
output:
9.35
